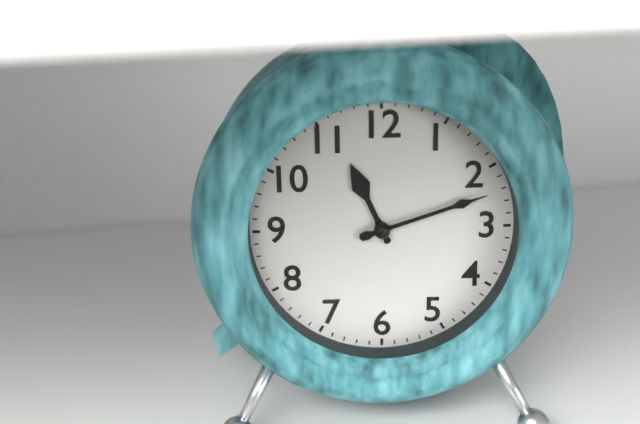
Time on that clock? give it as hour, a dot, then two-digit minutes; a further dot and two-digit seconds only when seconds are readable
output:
11.12
